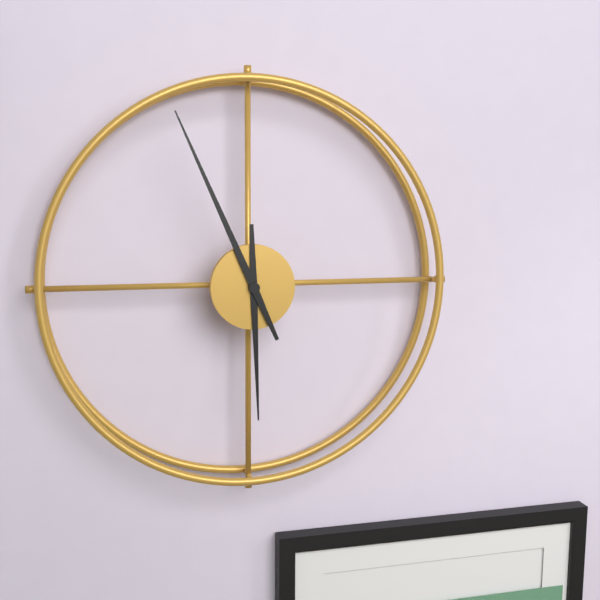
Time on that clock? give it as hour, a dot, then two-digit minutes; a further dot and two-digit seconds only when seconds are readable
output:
5.56
